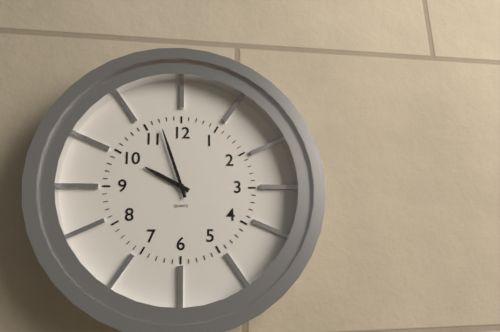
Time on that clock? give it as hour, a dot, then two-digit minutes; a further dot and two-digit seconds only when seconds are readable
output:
9.57
